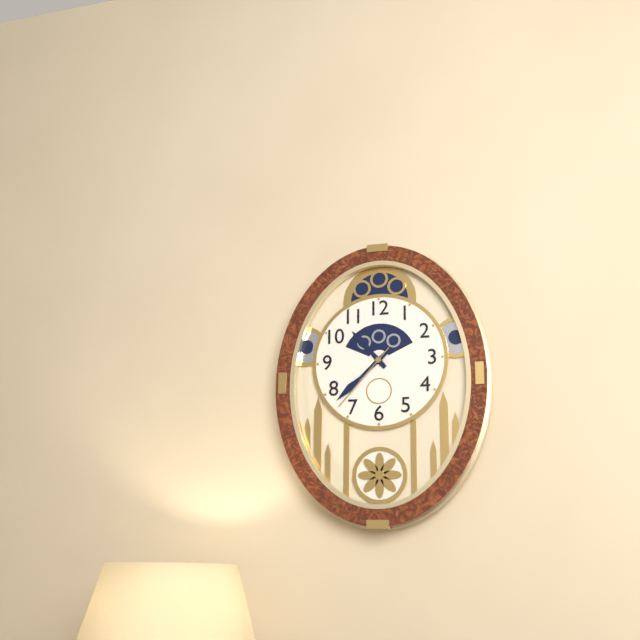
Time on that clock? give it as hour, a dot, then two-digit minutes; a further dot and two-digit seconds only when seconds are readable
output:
10.38.37
